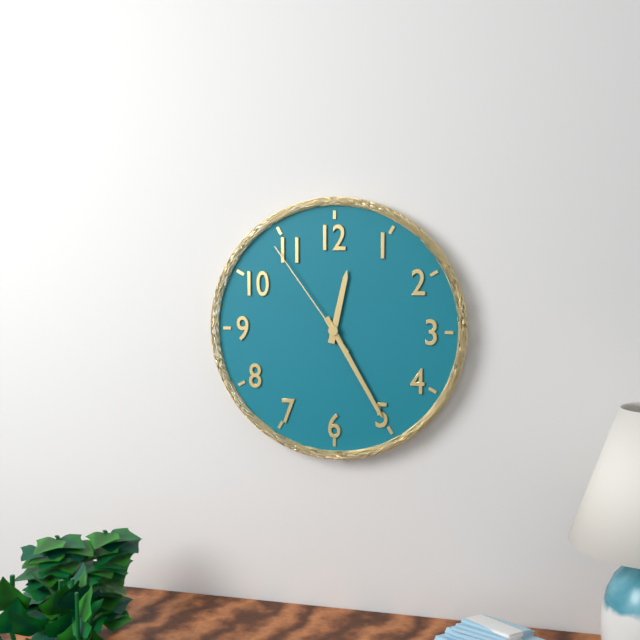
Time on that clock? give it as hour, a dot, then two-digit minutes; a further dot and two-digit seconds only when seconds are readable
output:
12.25.54
